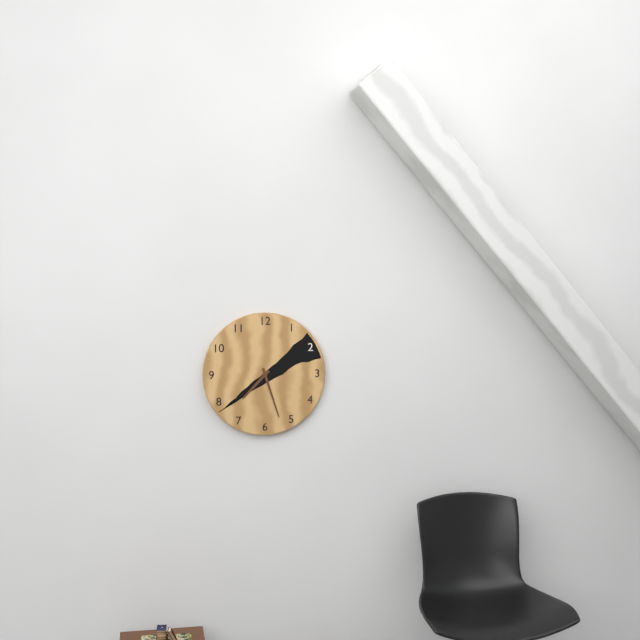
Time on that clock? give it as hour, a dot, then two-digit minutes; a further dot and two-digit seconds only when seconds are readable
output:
7.27
